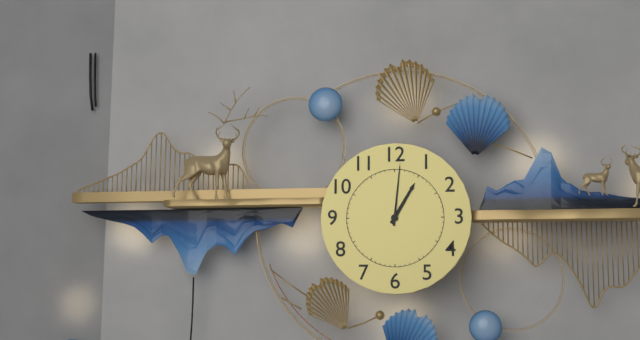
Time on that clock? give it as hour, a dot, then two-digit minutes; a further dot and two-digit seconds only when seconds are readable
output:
1.01
